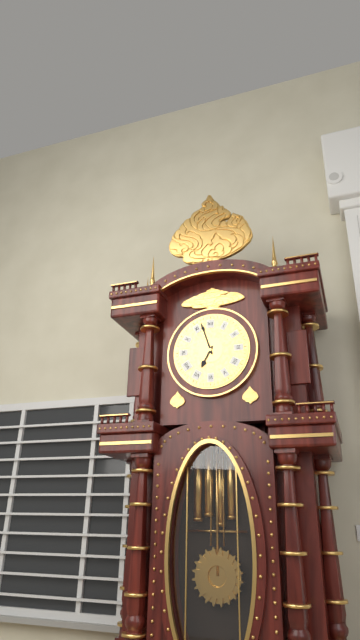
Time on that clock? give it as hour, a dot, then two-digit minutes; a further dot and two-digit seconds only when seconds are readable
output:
6.57
